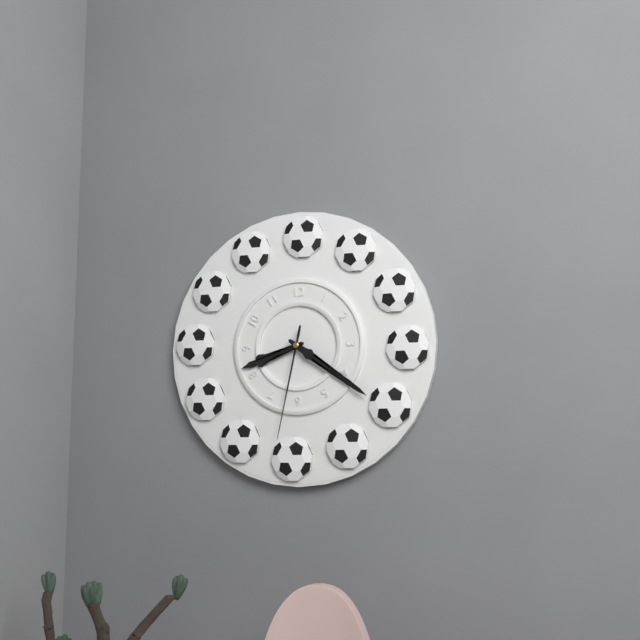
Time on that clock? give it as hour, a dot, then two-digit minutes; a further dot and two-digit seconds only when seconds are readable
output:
8.21.32
